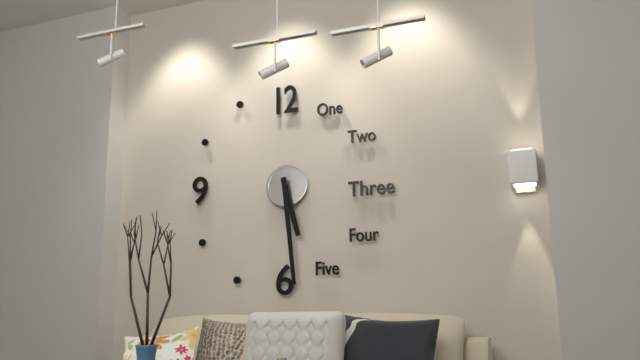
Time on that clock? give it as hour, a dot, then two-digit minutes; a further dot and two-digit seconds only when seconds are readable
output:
5.29
